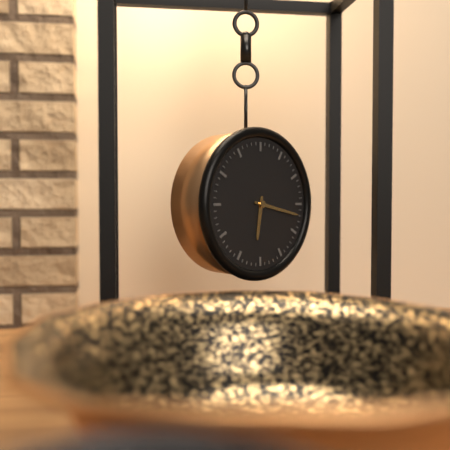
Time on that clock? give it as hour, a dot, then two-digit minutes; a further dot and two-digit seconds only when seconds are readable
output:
6.17
